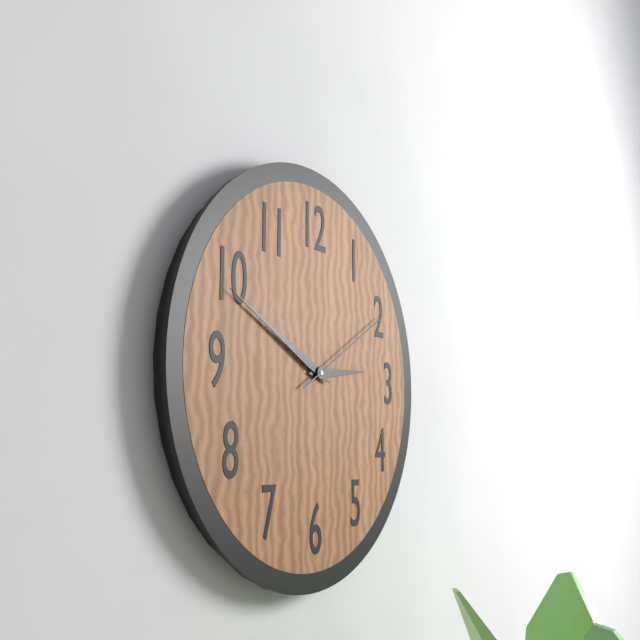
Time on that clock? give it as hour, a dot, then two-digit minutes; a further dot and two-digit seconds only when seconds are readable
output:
2.49.10
